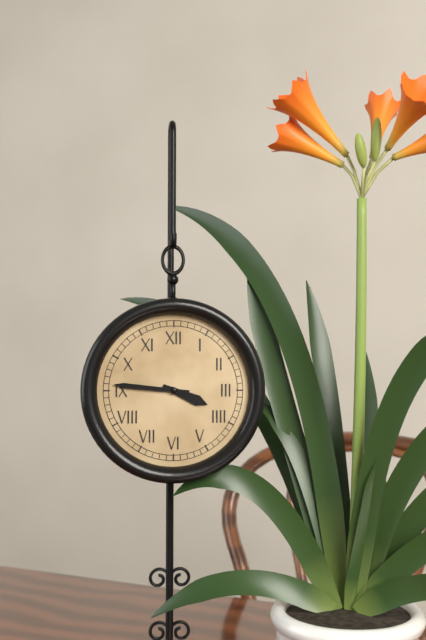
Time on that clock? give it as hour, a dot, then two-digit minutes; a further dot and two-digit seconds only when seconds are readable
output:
3.46
